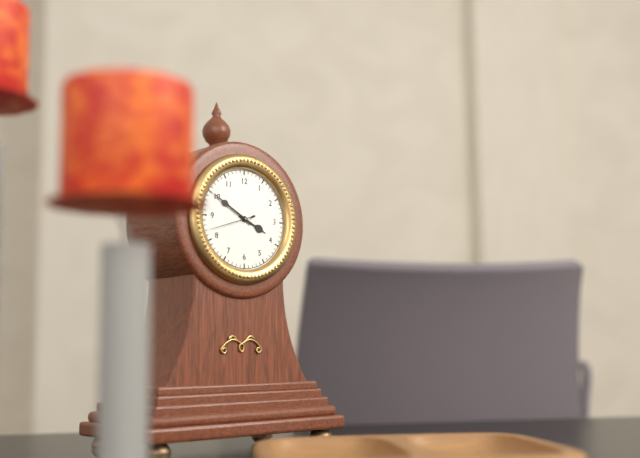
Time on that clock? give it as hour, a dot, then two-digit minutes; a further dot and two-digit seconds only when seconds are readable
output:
3.50
